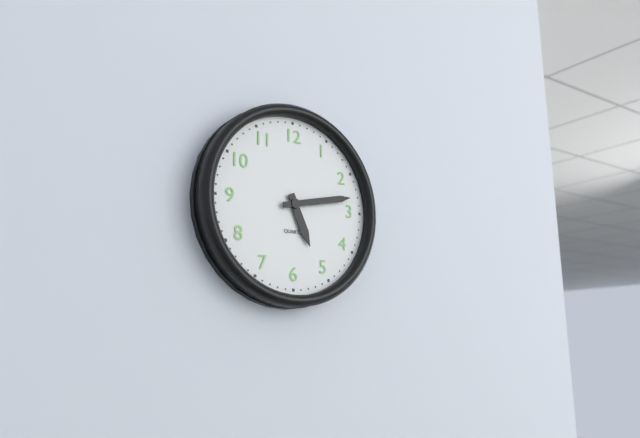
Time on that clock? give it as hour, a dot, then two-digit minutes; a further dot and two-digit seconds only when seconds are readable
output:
5.13
